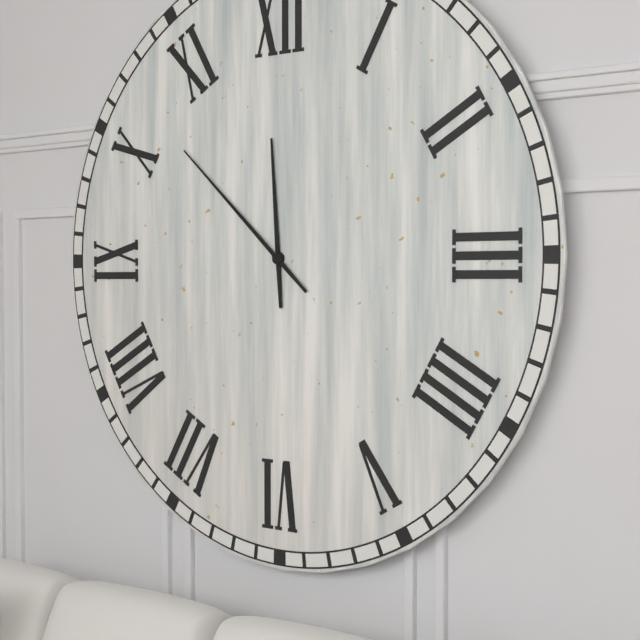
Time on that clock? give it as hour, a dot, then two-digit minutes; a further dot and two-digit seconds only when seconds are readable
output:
11.52
